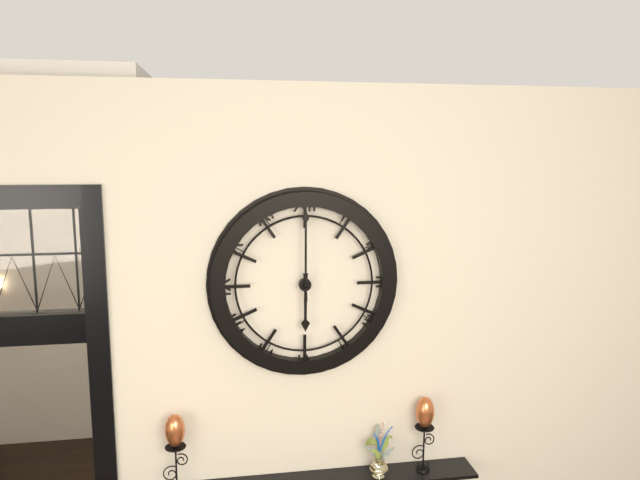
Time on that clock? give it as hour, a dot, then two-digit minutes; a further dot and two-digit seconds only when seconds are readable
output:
6.00
